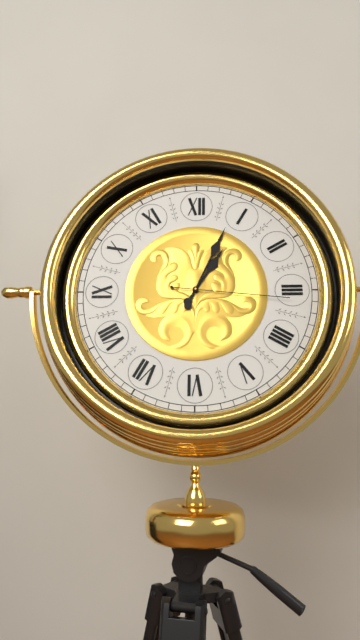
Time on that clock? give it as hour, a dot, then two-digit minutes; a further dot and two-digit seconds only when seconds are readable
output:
1.04.16
